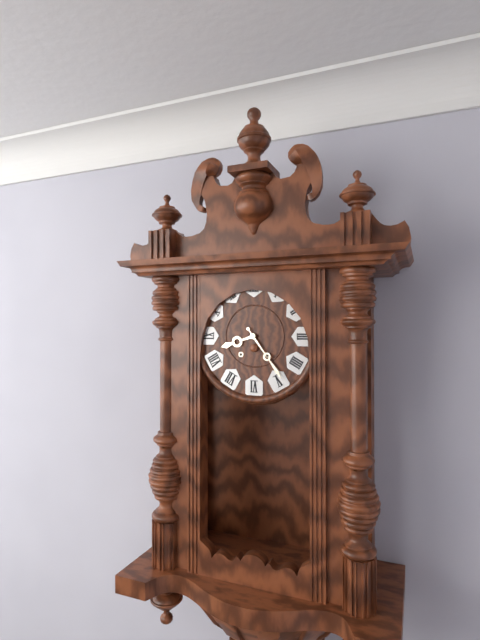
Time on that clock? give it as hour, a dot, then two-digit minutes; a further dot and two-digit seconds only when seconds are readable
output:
8.24
